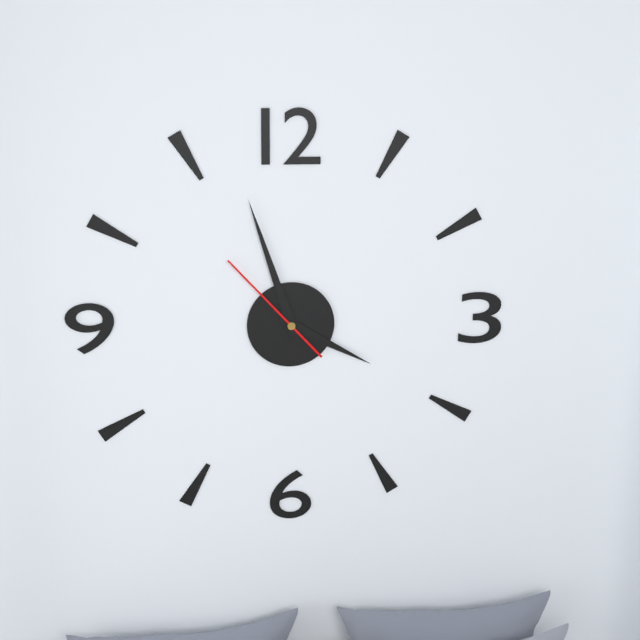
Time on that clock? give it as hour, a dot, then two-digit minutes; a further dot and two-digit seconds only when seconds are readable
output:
3.57.53
